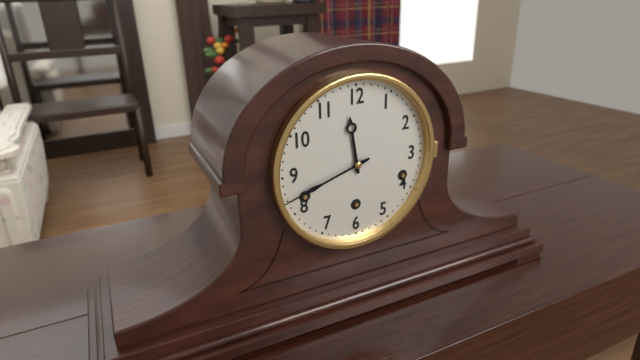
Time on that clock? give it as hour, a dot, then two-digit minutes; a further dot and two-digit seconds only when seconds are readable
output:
11.42
